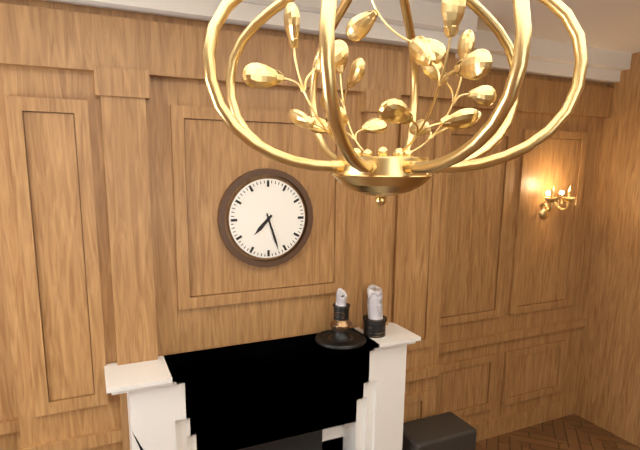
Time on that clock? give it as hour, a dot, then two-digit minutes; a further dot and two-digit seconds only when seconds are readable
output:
7.27
